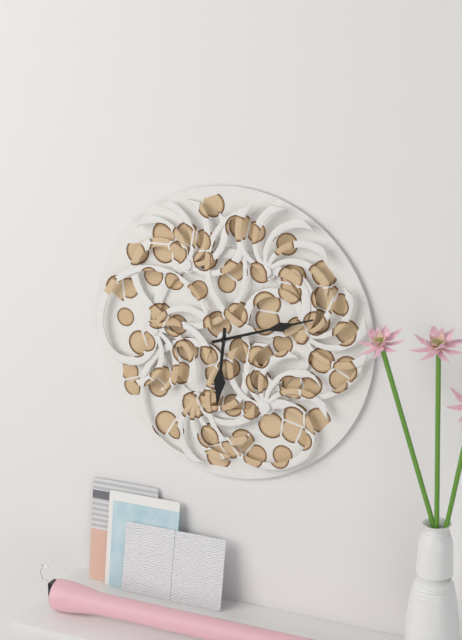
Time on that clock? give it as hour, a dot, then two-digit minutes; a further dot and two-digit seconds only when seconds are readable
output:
6.12
